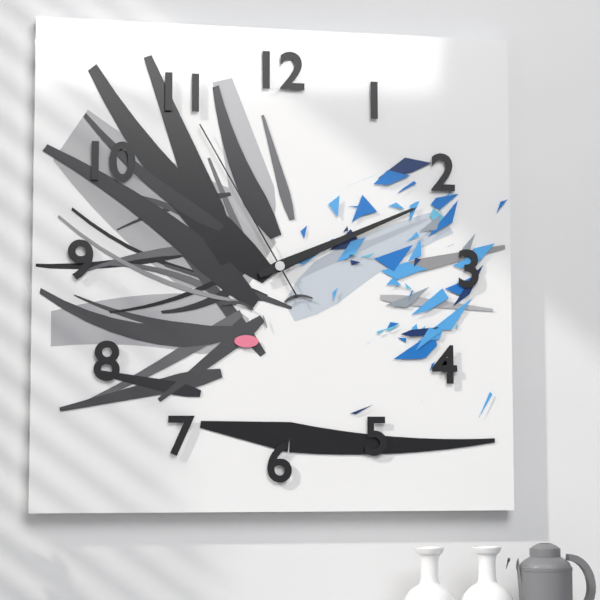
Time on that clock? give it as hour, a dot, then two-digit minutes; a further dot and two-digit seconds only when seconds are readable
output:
2.11.55
